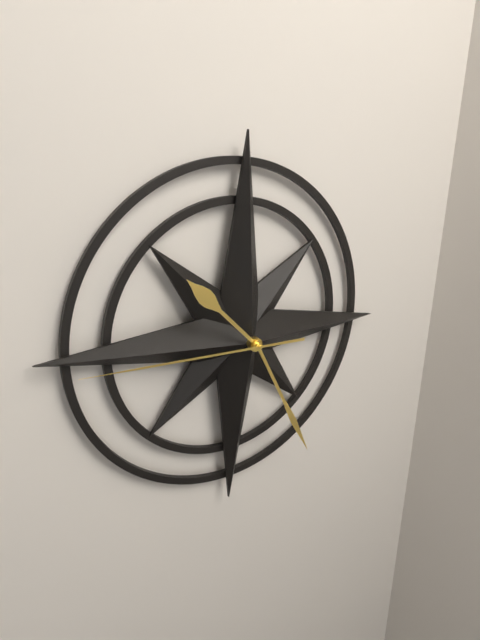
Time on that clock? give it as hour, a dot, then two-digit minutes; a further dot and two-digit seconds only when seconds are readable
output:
10.25.45
